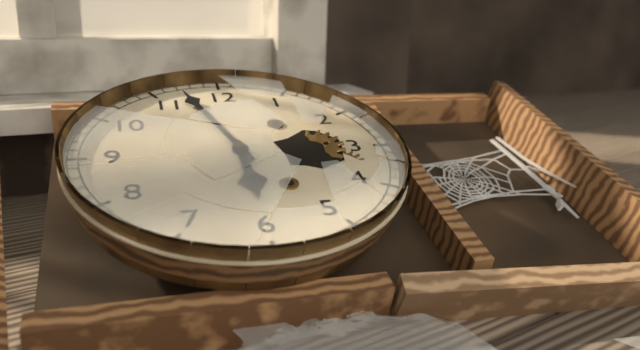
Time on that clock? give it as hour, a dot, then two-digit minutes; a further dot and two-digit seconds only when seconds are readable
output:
5.57
